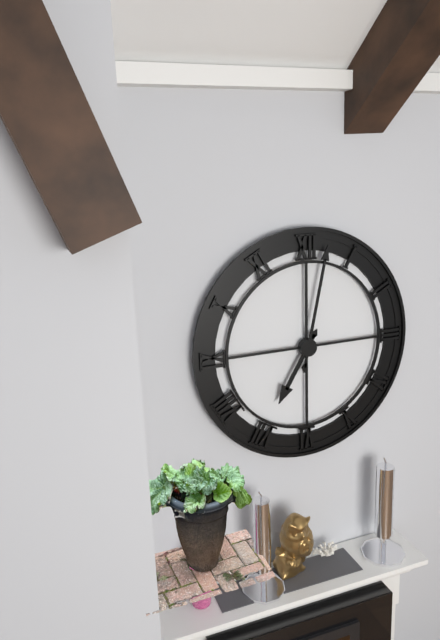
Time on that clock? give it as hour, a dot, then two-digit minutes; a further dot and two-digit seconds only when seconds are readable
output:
7.02
